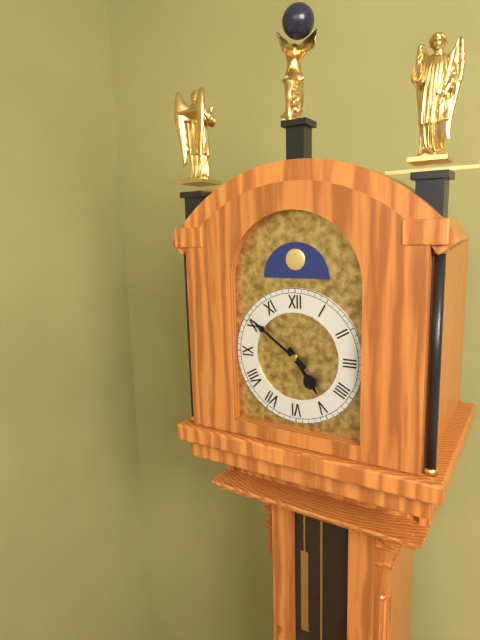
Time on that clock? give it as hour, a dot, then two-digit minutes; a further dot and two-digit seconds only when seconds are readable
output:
4.51
